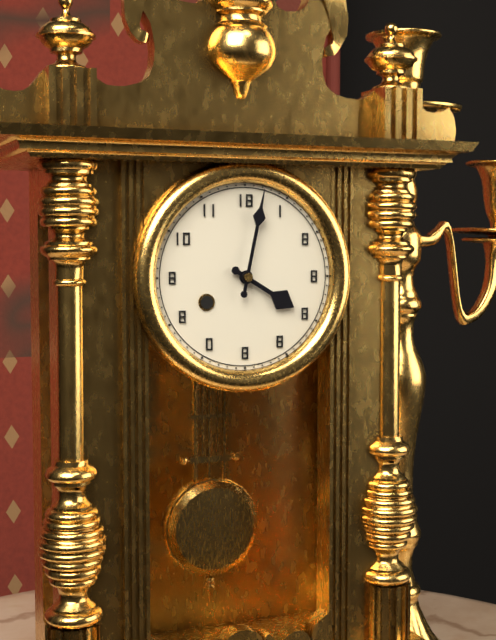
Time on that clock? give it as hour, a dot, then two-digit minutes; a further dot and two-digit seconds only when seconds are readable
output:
4.02
